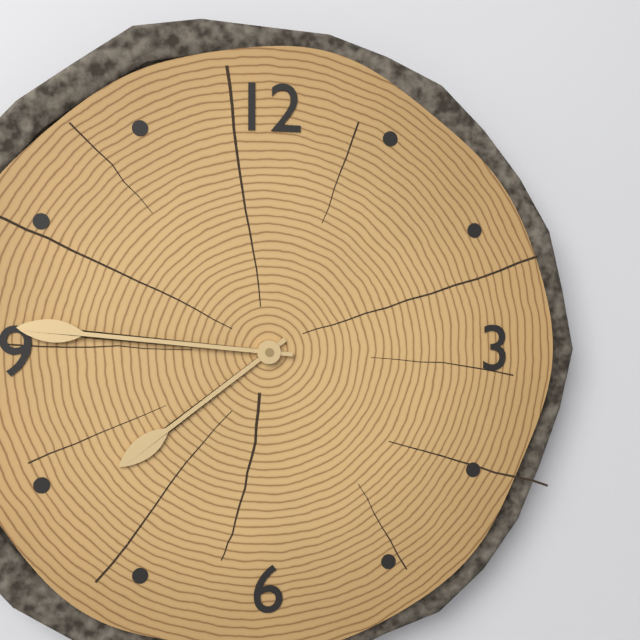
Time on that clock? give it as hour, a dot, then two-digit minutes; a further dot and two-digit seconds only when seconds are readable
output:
7.46
